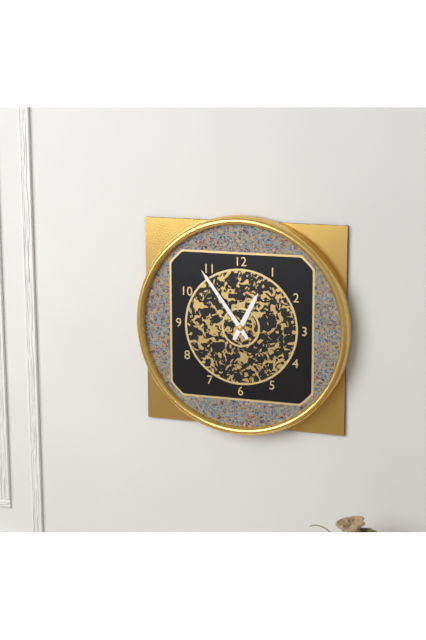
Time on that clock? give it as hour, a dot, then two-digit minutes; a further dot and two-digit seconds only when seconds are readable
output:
12.54
